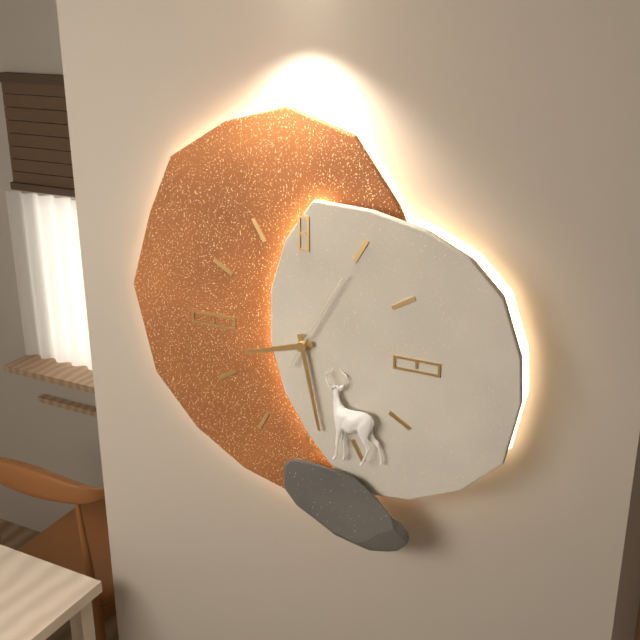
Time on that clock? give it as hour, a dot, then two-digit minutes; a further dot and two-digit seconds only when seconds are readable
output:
8.28.05
